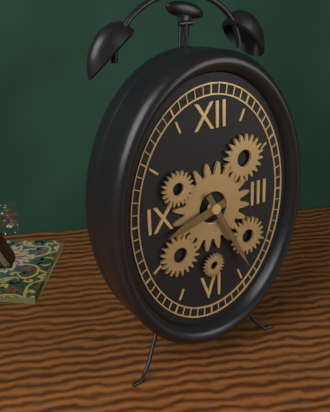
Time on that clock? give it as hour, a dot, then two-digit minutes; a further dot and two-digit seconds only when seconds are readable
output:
8.25
